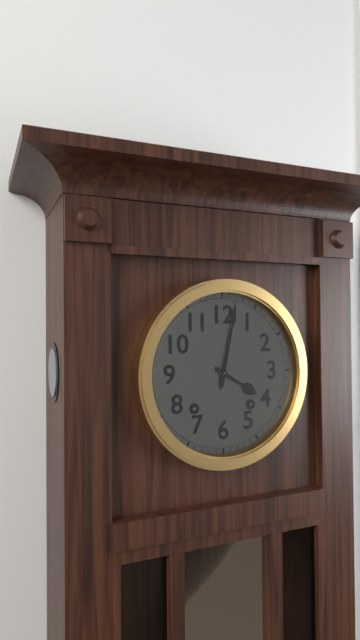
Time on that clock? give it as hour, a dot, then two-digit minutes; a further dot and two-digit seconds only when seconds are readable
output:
4.02
